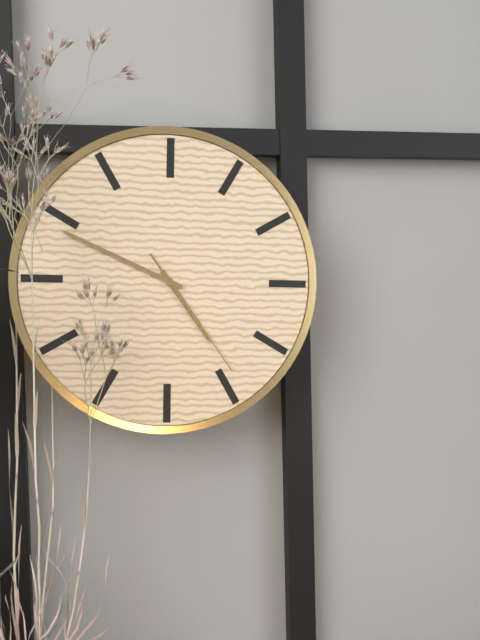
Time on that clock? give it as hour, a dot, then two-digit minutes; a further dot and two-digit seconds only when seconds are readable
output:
4.49.24
